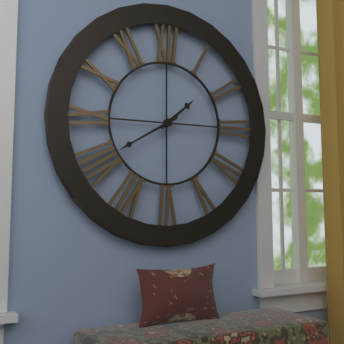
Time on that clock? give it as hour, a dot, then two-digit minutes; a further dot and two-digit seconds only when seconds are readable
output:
1.40
